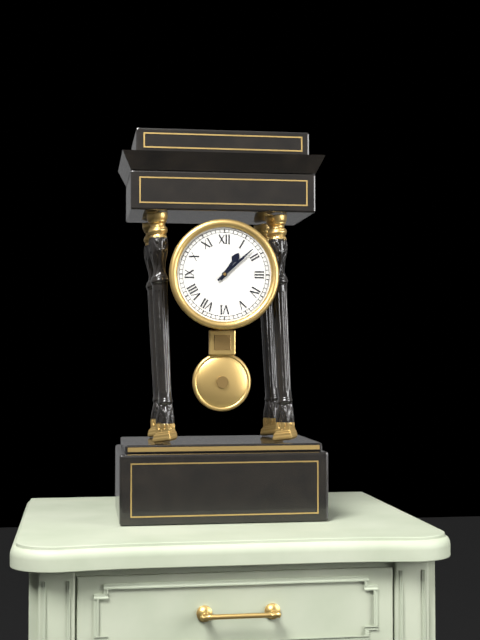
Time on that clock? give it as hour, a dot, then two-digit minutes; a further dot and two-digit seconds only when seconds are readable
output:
1.08
